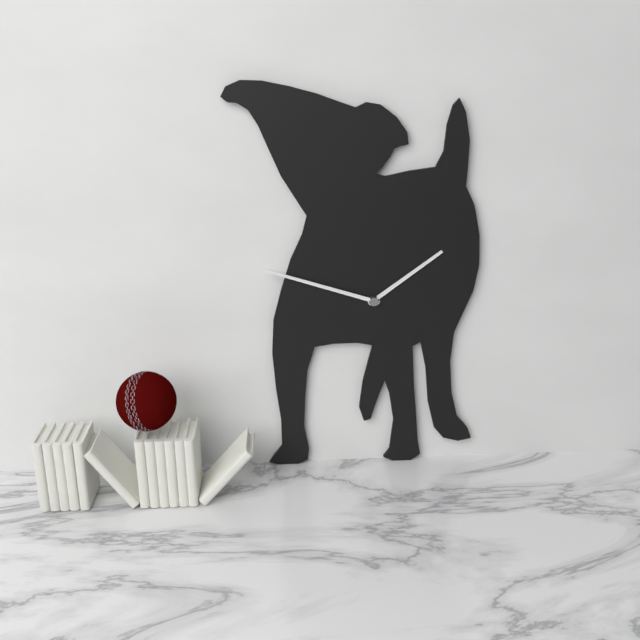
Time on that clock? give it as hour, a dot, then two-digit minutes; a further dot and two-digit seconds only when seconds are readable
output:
1.48
